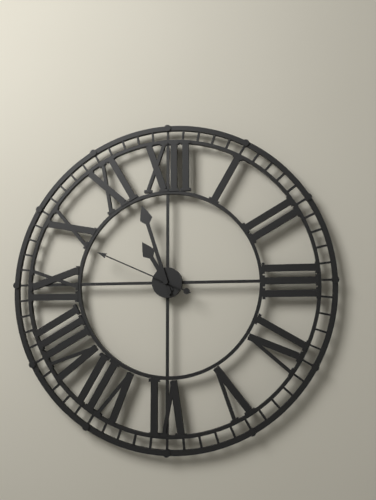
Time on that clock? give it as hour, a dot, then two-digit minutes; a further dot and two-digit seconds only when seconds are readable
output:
10.57.49
